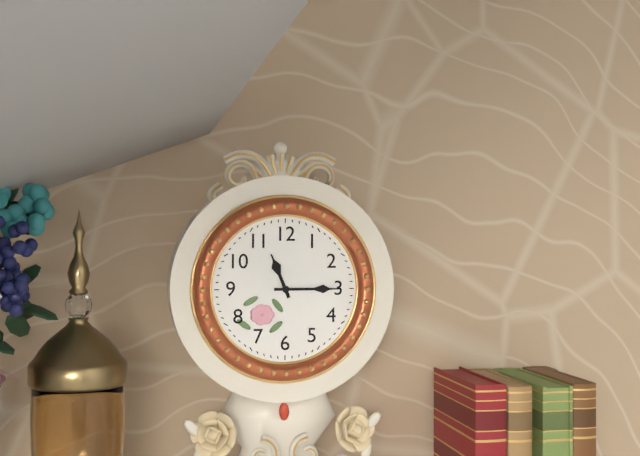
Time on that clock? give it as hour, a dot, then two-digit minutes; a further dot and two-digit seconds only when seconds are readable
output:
11.15
